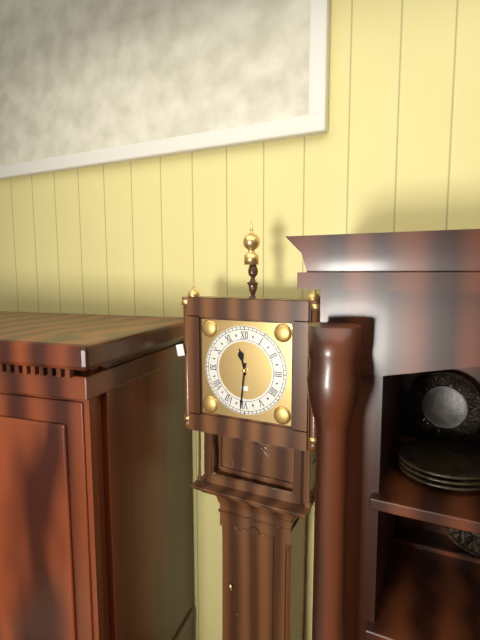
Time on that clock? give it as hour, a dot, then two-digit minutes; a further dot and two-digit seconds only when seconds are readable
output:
11.31
